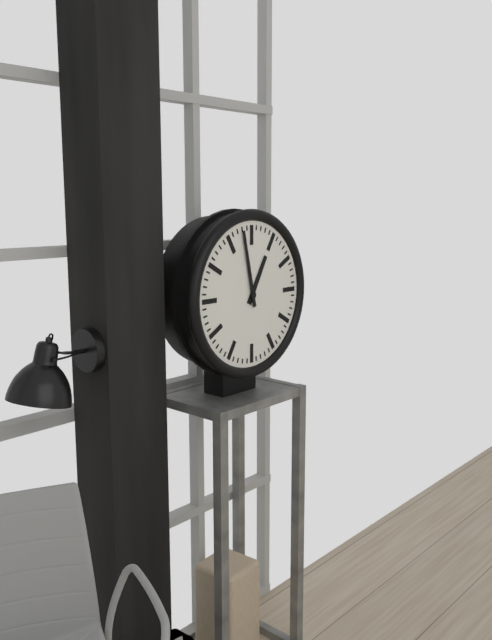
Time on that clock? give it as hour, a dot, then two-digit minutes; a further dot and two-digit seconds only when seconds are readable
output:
12.58
